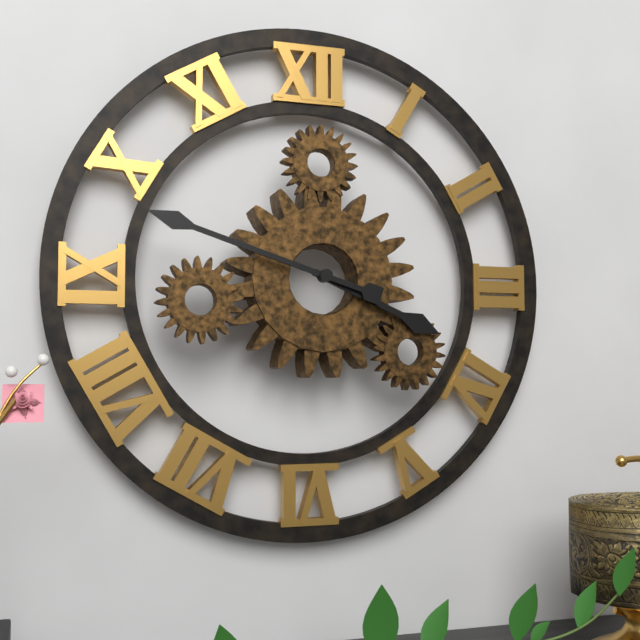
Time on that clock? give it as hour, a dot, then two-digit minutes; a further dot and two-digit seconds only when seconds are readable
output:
3.48
